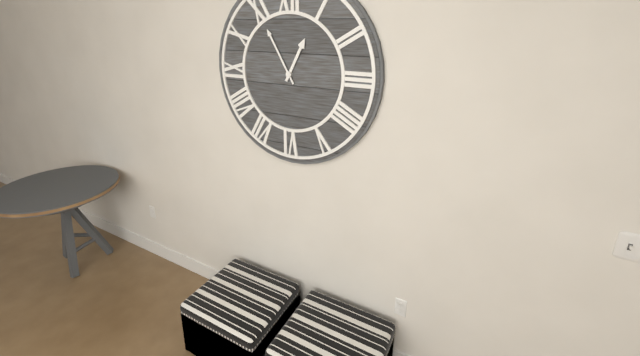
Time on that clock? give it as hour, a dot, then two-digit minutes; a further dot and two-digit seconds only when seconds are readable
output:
12.55
